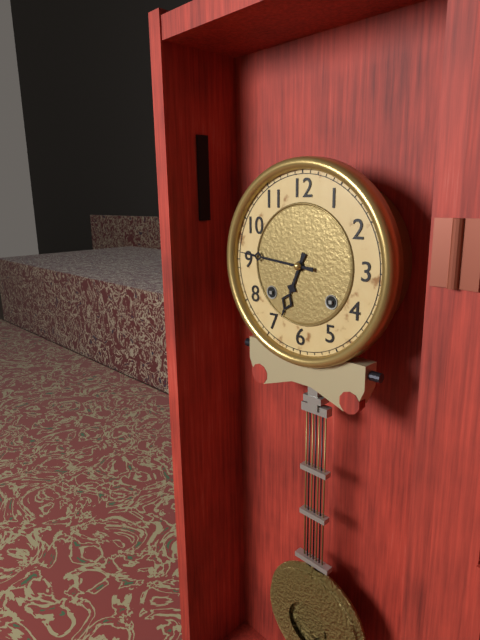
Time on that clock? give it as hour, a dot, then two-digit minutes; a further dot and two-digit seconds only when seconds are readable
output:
6.46
